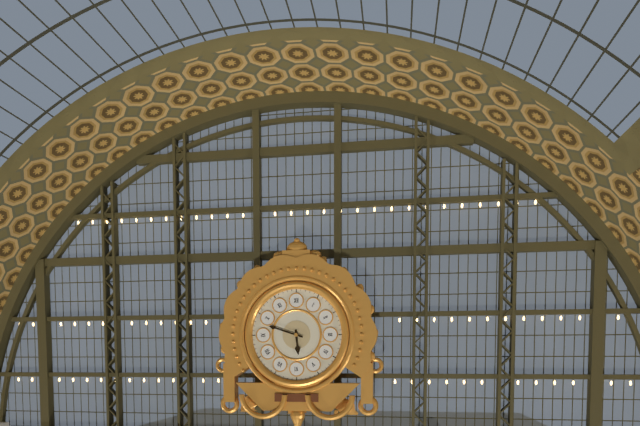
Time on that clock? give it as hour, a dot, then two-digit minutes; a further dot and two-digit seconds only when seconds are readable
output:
5.48
